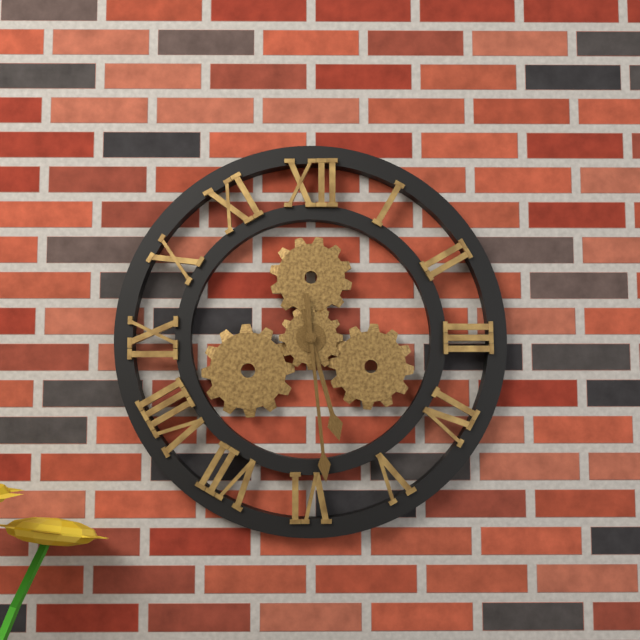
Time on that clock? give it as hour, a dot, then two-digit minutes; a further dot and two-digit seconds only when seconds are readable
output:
5.29
